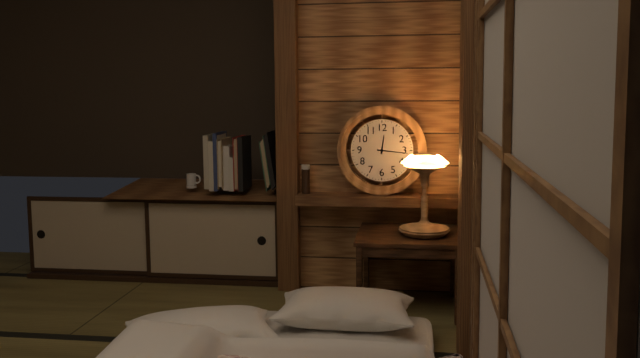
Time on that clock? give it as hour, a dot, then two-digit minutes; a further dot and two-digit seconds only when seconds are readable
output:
12.16
